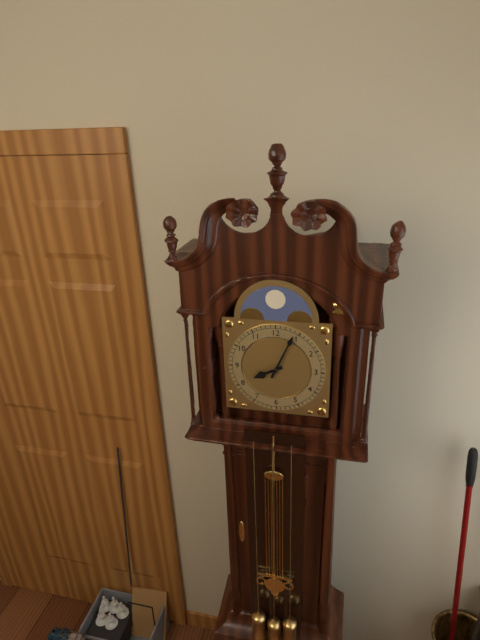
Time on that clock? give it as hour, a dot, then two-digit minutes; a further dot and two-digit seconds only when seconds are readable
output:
8.04
